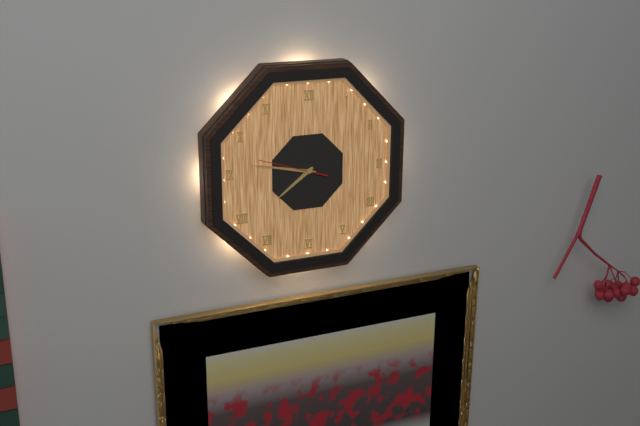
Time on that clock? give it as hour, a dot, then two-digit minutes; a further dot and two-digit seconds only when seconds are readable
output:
7.47.48
